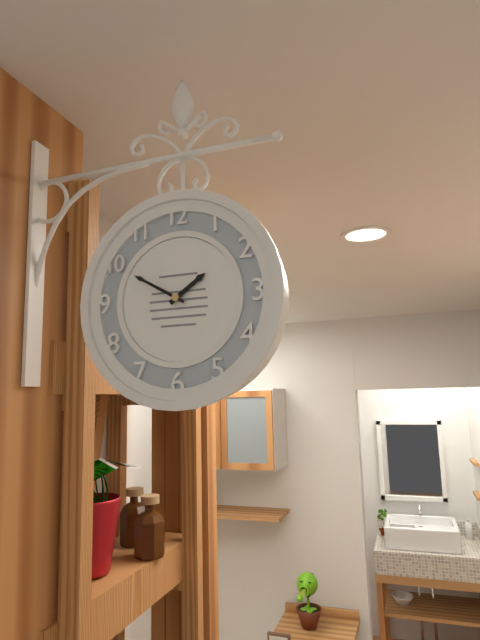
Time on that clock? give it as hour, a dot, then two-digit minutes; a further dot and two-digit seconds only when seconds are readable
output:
1.50
